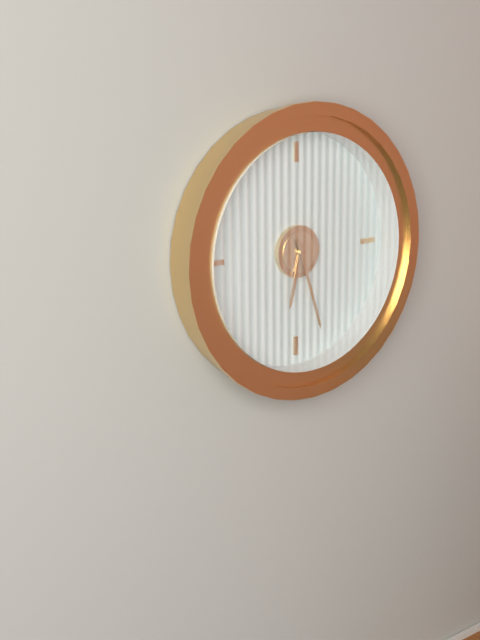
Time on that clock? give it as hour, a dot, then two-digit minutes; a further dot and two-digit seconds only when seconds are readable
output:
6.27
